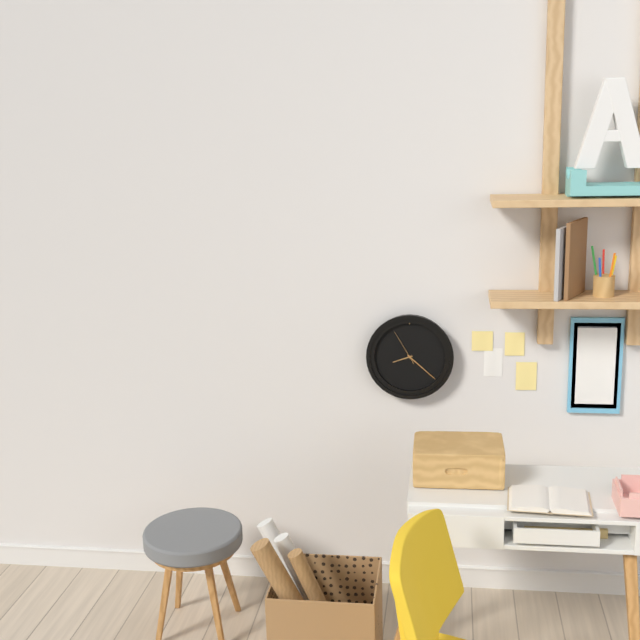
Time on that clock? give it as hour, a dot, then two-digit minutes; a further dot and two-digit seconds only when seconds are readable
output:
8.22
